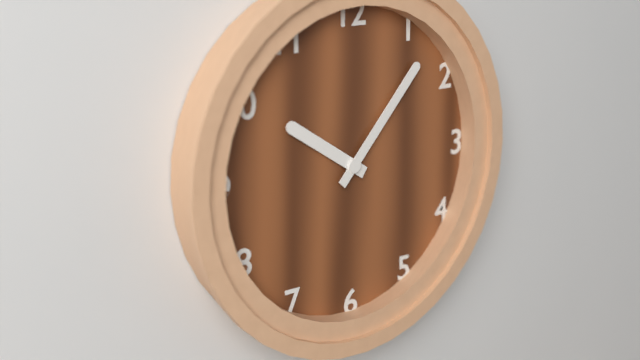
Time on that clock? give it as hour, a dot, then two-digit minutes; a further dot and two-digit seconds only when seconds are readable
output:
10.07
